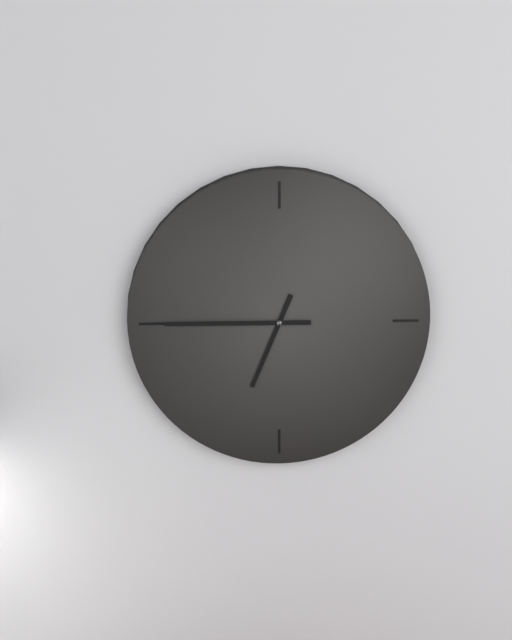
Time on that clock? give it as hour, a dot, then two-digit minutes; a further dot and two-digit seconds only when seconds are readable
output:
6.45
